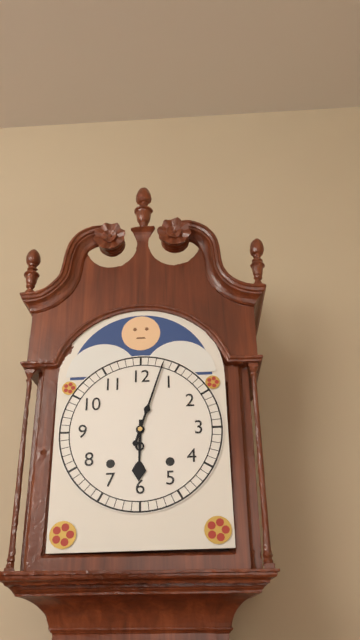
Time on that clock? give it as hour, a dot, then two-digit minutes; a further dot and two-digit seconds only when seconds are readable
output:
6.03
